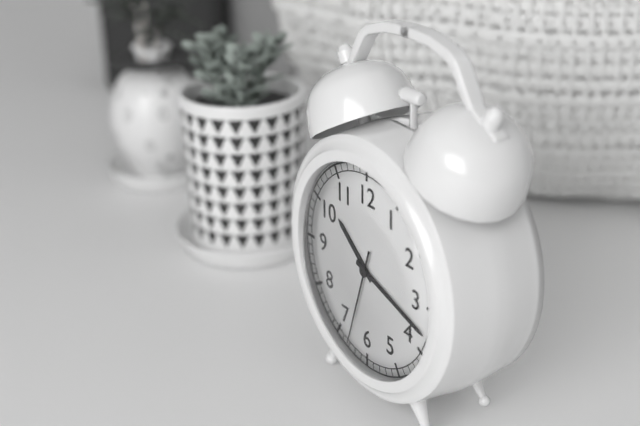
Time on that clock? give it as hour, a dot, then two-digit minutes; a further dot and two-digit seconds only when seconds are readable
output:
10.18.33
